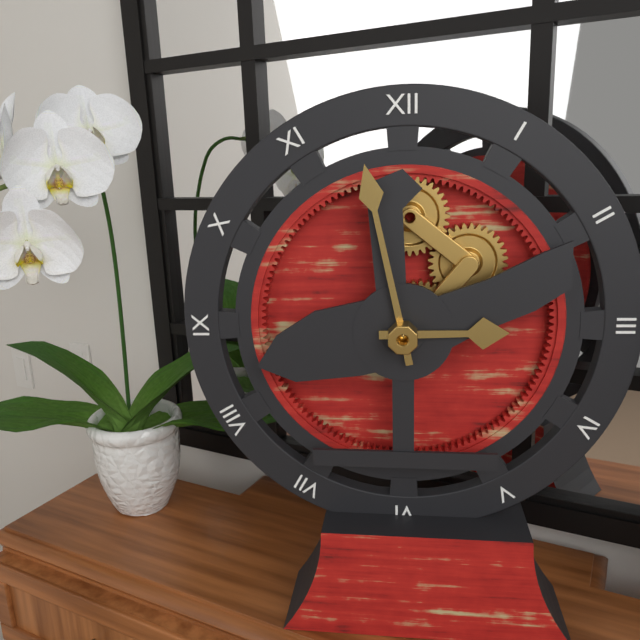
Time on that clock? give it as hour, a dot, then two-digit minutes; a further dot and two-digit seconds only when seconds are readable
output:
2.58
